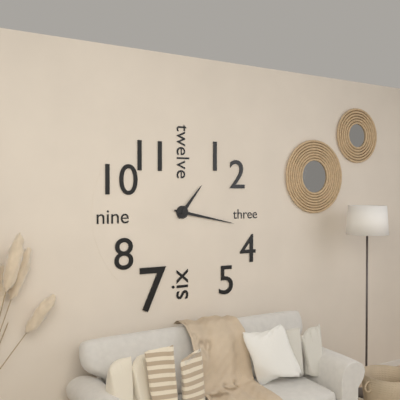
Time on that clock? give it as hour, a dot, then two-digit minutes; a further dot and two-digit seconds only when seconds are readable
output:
1.17
